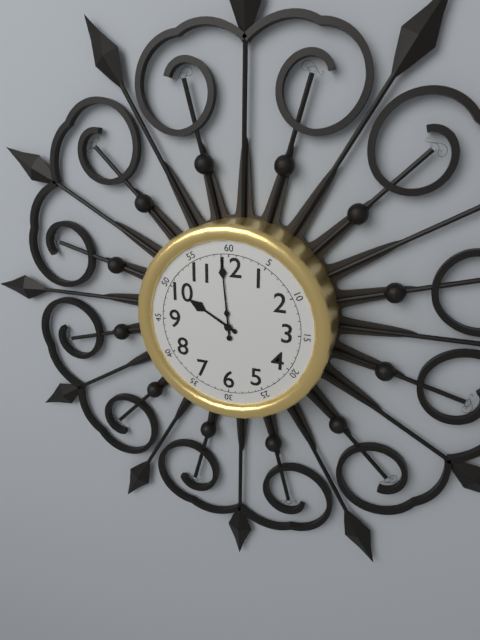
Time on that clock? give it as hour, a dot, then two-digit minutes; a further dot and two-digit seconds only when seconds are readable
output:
9.59
